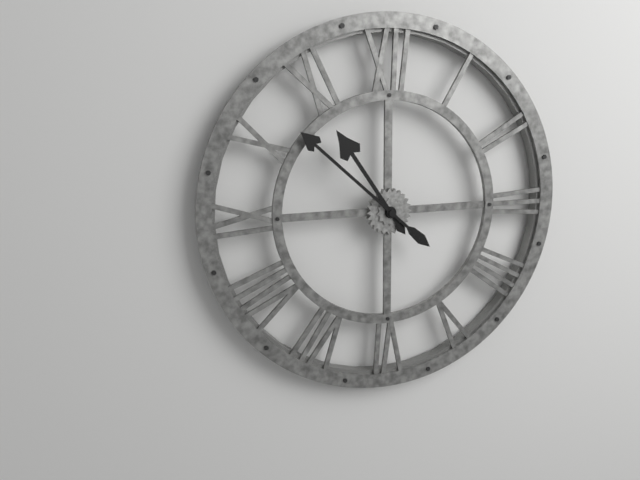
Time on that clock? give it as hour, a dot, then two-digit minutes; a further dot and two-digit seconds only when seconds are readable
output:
10.52
